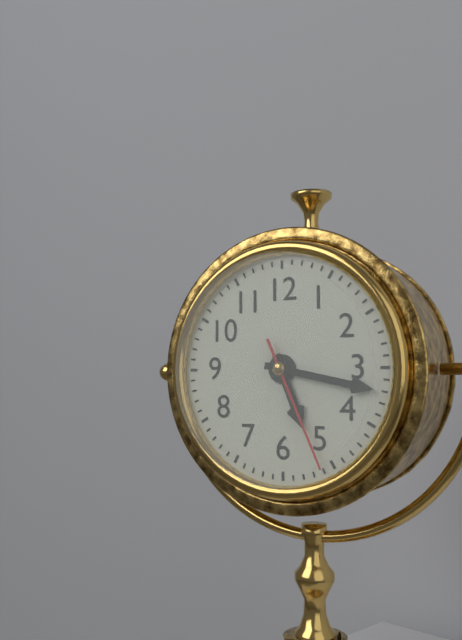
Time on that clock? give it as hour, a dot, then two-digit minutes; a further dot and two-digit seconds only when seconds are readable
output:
5.17.26
